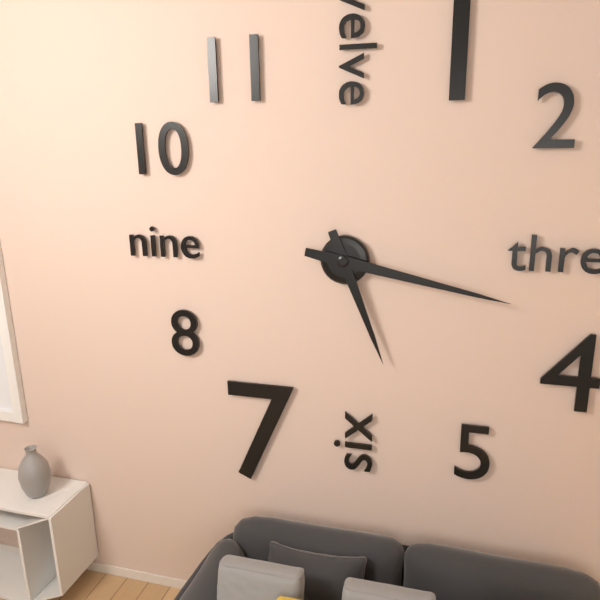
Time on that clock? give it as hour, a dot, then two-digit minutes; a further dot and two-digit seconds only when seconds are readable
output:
5.17
